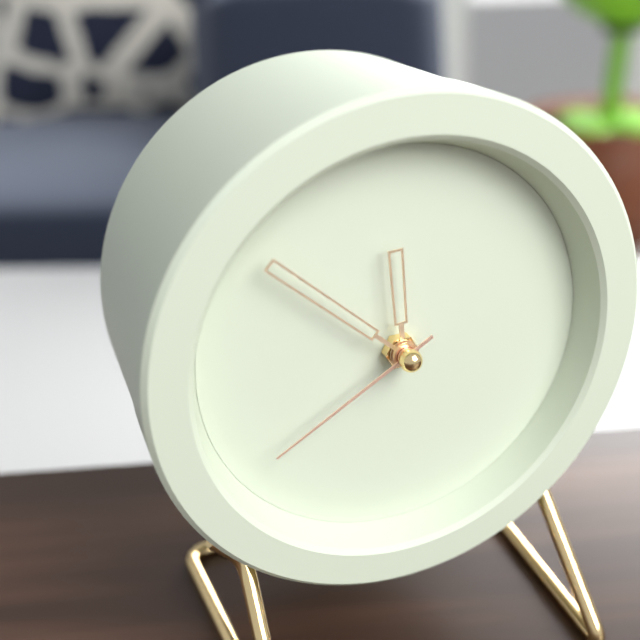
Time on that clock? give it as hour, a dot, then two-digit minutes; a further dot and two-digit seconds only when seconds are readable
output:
11.52.40
